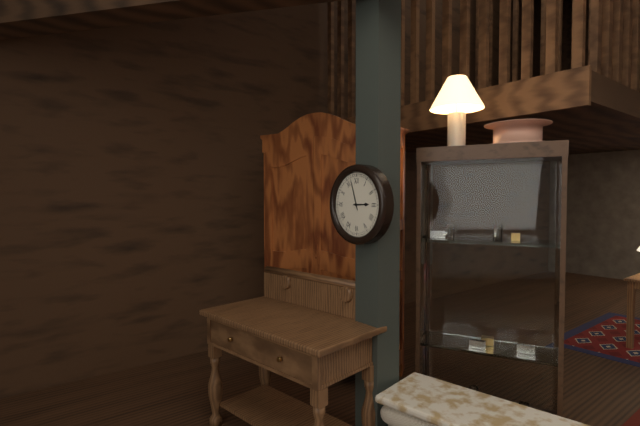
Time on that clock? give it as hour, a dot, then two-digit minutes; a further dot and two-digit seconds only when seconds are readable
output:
2.57
